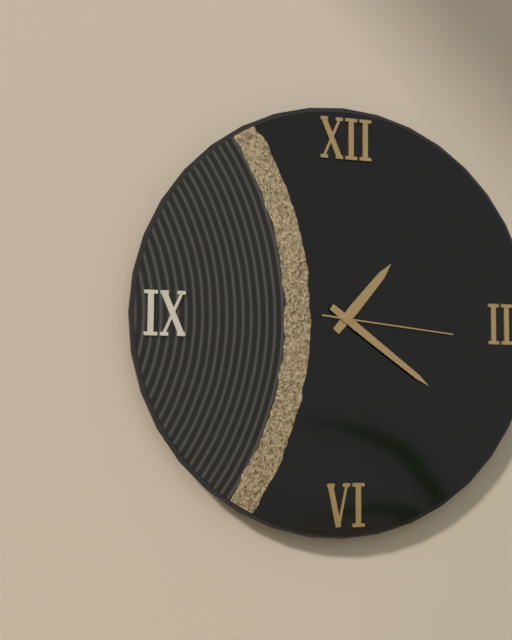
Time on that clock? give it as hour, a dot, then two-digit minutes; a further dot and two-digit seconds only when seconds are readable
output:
1.21.16
